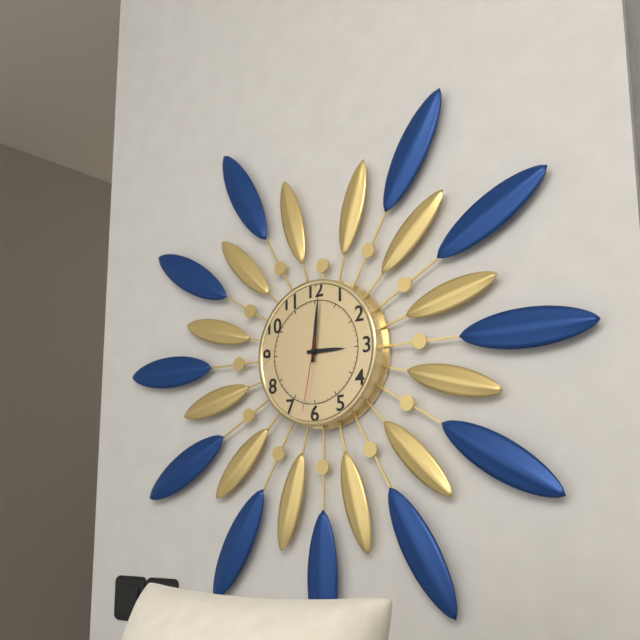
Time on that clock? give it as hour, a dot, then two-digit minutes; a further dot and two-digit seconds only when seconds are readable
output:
3.01.32
